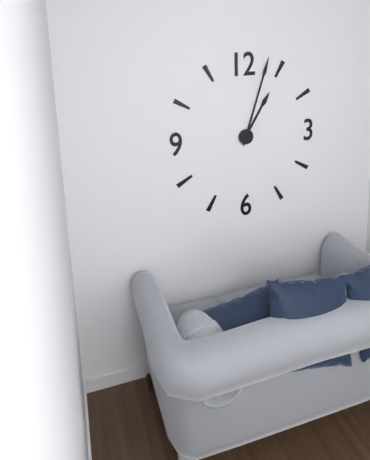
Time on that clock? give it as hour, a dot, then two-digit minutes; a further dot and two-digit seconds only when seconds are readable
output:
1.03
